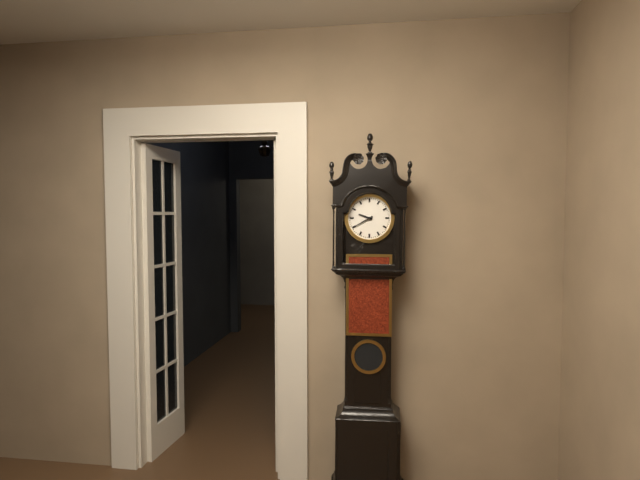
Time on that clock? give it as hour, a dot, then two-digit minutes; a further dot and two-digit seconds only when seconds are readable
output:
9.40
